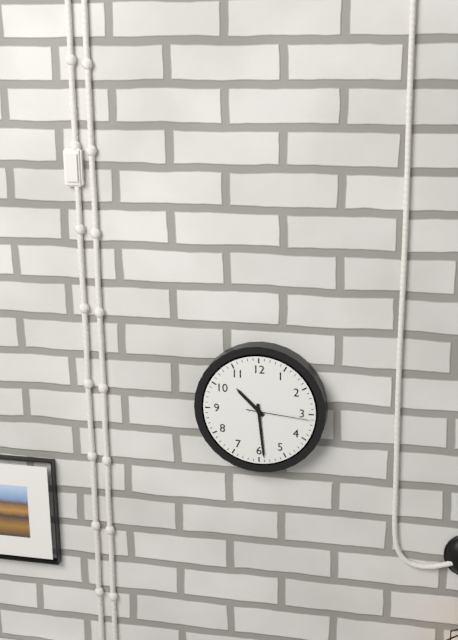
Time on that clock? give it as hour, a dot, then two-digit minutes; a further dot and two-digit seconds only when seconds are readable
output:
10.29.16
